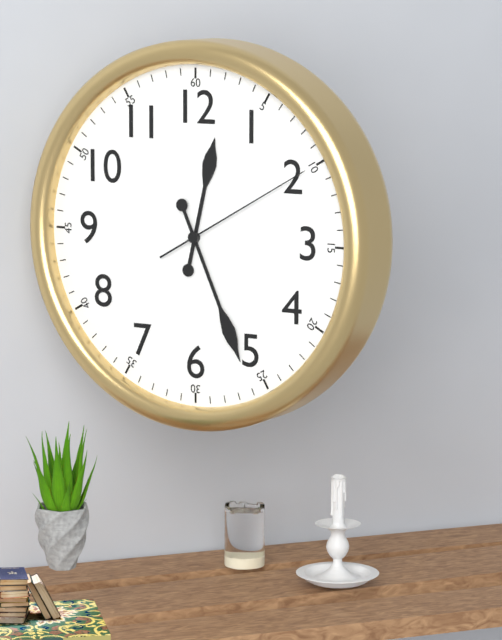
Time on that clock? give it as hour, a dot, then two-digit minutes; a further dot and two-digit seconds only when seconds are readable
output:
12.26.10
